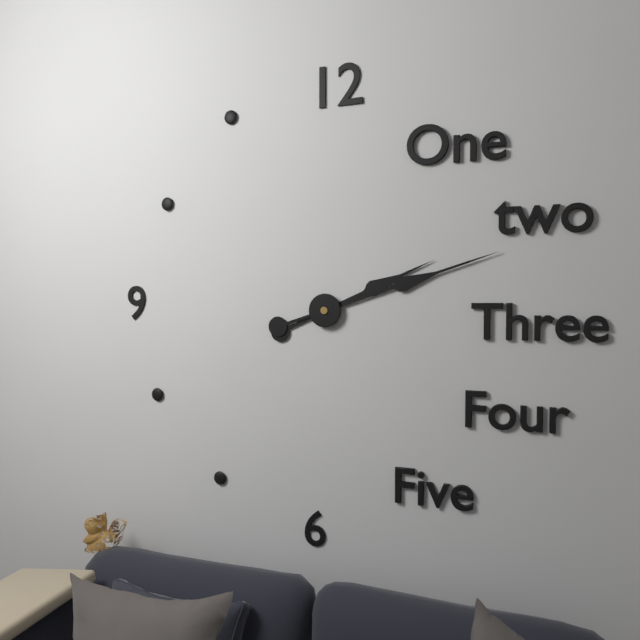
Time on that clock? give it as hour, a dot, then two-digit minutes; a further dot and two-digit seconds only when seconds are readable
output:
2.12
